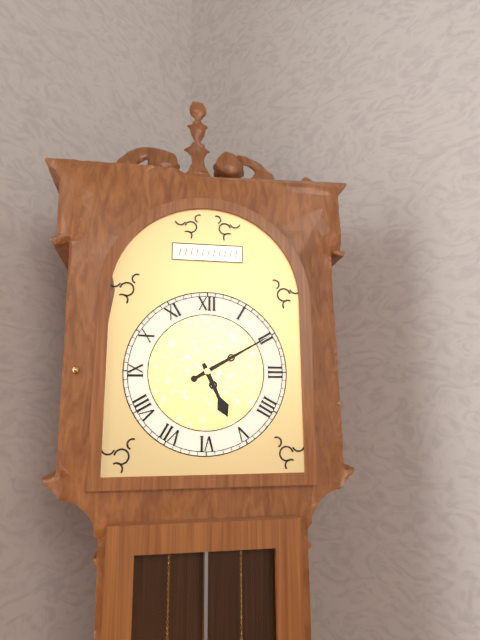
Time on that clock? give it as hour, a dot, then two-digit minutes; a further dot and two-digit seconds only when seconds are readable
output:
5.10
